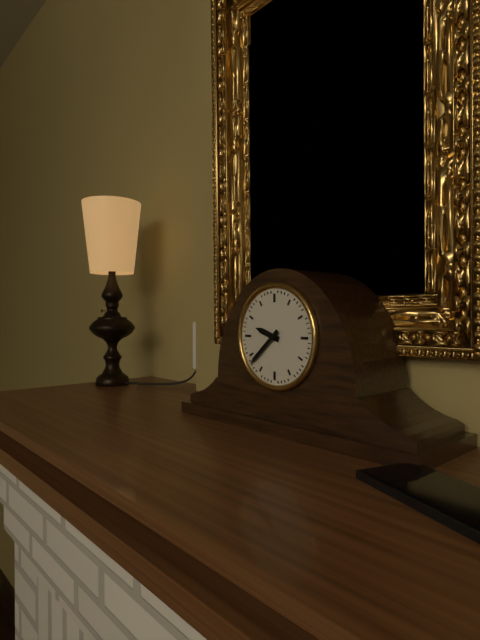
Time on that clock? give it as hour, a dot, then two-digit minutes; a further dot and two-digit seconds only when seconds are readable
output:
9.38
